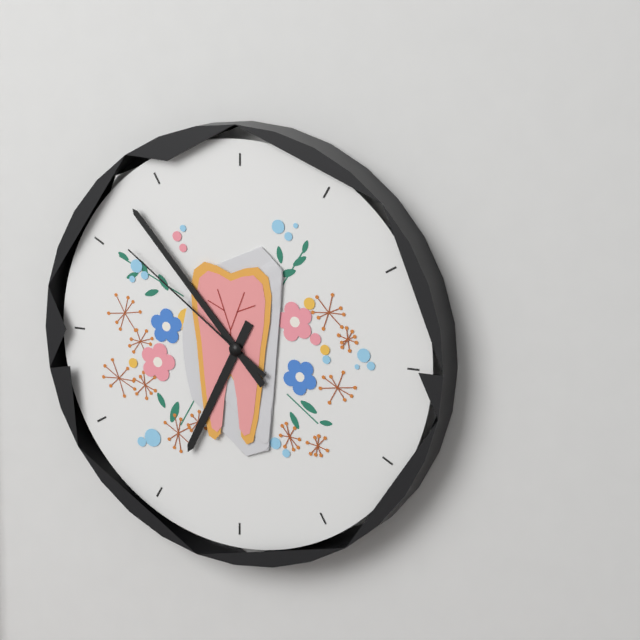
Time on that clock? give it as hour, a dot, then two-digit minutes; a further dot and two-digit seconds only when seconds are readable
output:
6.53.51
